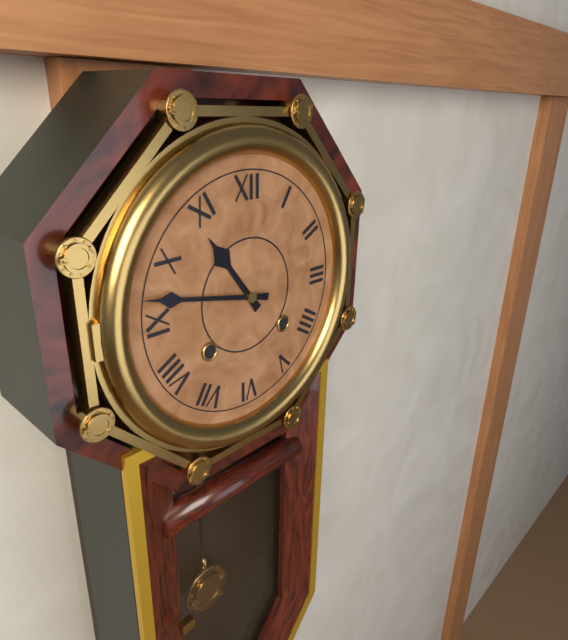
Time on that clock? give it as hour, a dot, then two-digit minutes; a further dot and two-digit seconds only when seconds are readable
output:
10.47
